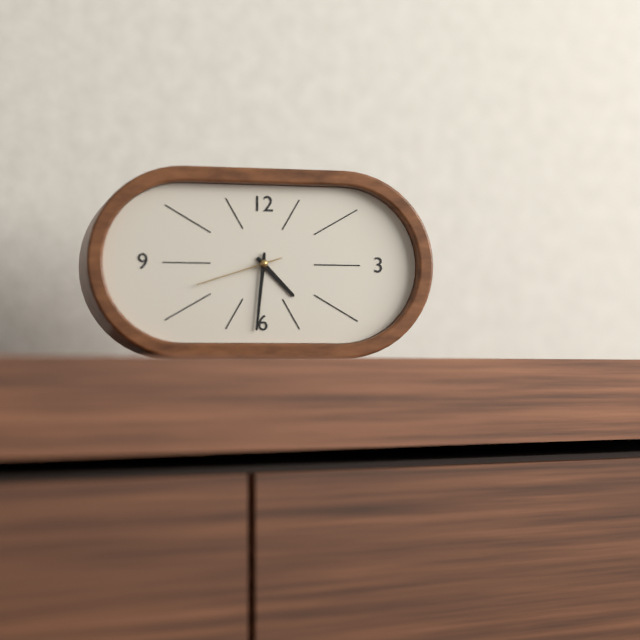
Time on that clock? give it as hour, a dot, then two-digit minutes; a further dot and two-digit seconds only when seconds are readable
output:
4.31.42
